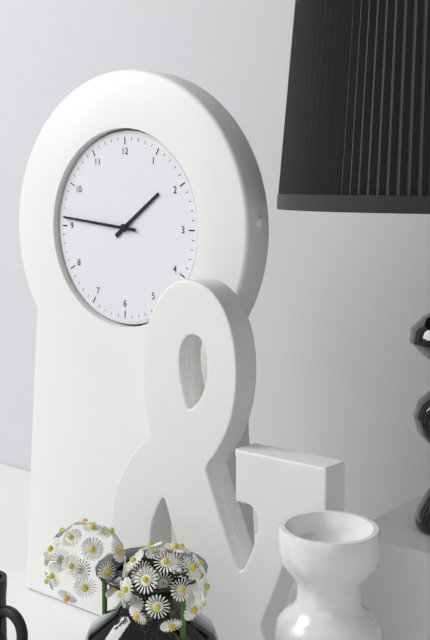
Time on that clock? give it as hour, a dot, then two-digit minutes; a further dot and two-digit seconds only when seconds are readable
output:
1.46
